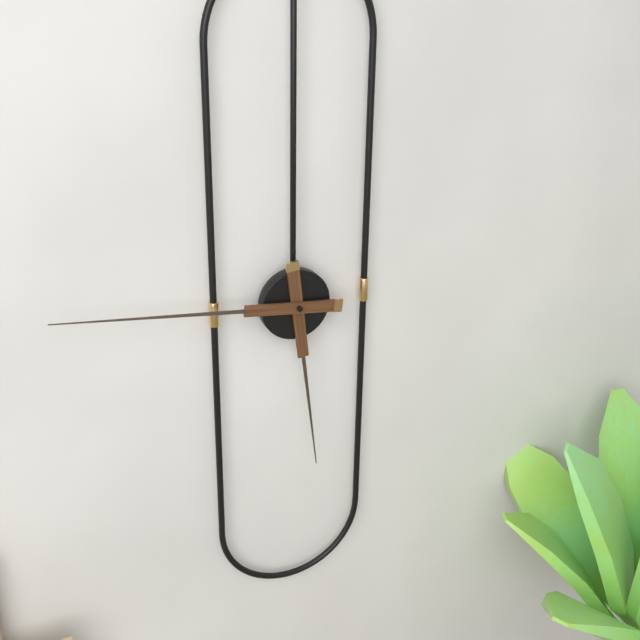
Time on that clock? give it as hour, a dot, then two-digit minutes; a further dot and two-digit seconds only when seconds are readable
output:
5.46
